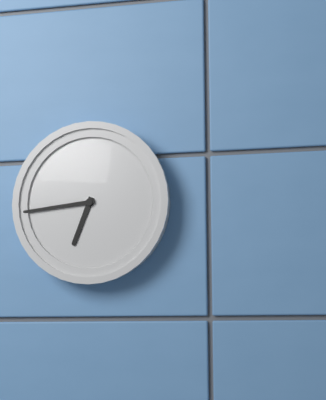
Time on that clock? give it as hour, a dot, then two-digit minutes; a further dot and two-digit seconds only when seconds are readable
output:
6.44
